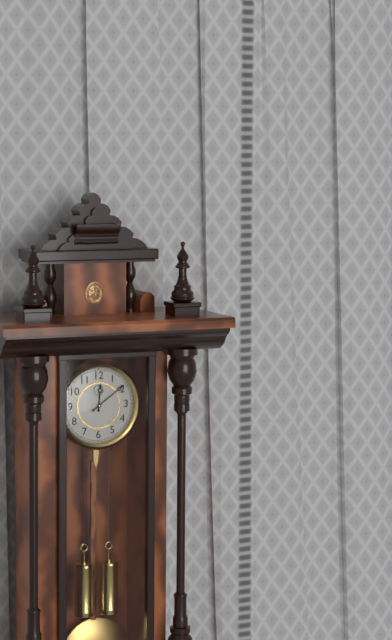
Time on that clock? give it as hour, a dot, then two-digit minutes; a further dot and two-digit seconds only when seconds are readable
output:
12.09
